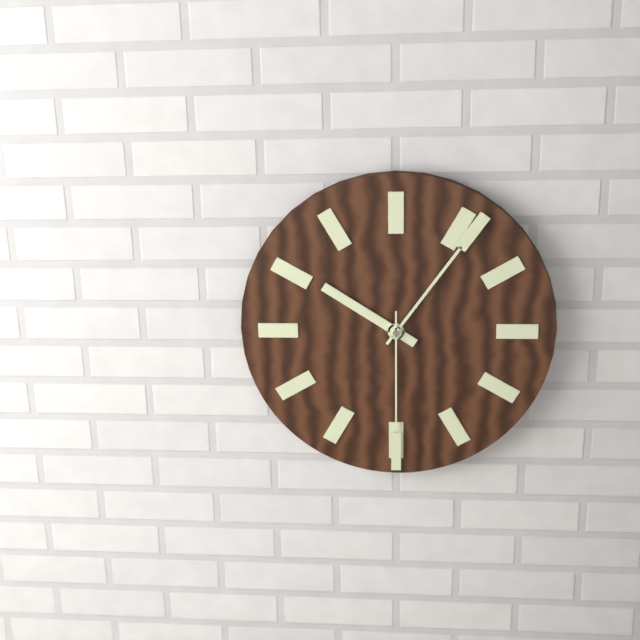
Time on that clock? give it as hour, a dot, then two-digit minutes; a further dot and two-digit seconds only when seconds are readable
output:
10.06.30
